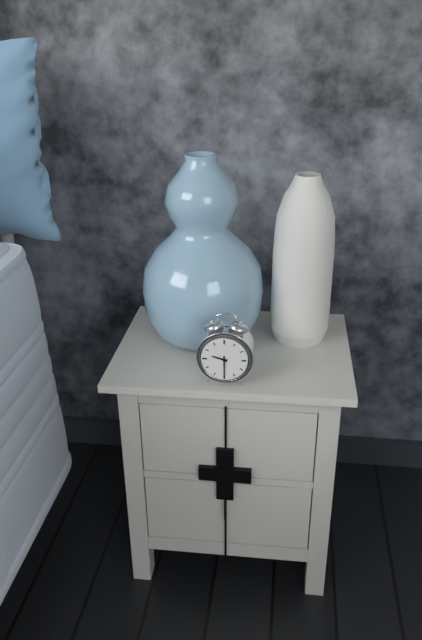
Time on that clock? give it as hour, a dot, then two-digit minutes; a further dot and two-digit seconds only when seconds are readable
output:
9.30
